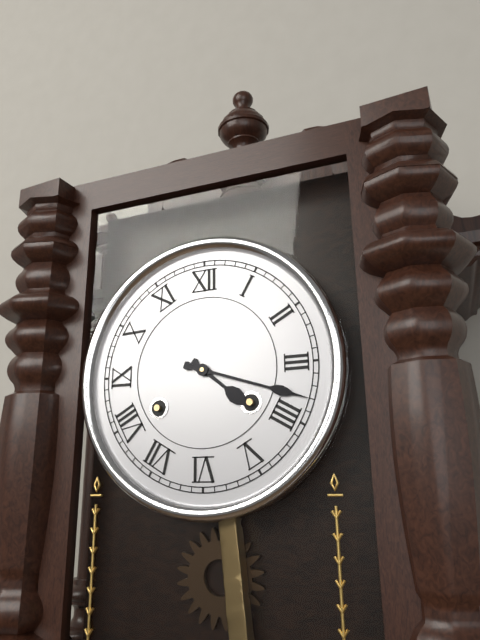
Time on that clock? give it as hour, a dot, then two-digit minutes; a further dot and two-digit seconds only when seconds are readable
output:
4.18
